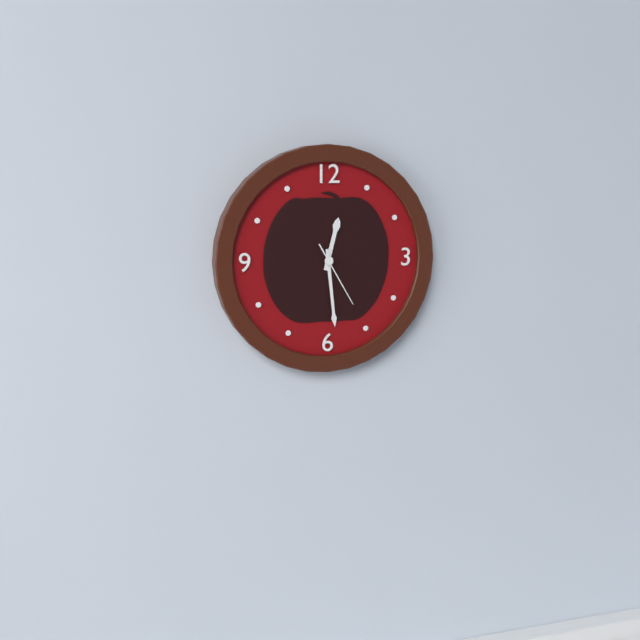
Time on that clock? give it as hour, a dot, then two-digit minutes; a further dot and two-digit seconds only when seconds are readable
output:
12.29.25
